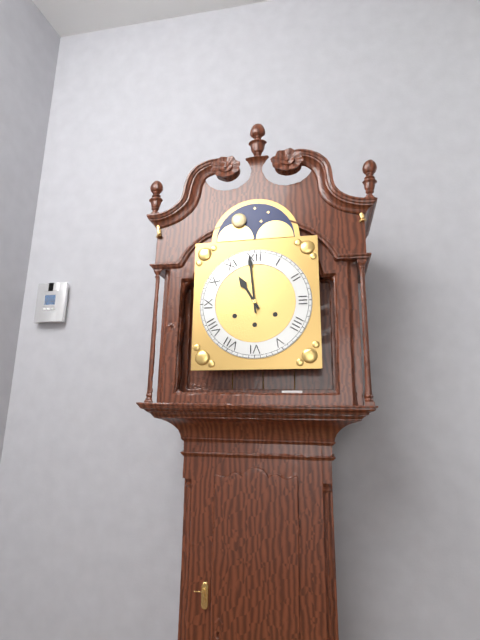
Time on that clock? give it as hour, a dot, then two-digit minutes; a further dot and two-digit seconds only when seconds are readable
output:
10.59
